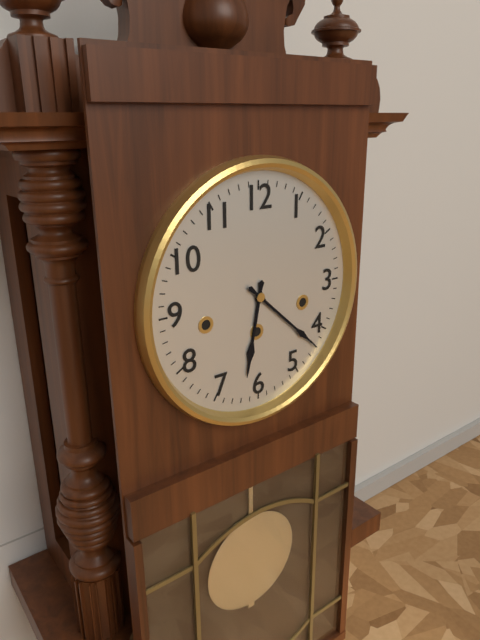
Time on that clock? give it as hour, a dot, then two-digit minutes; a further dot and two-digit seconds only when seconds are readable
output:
6.22
